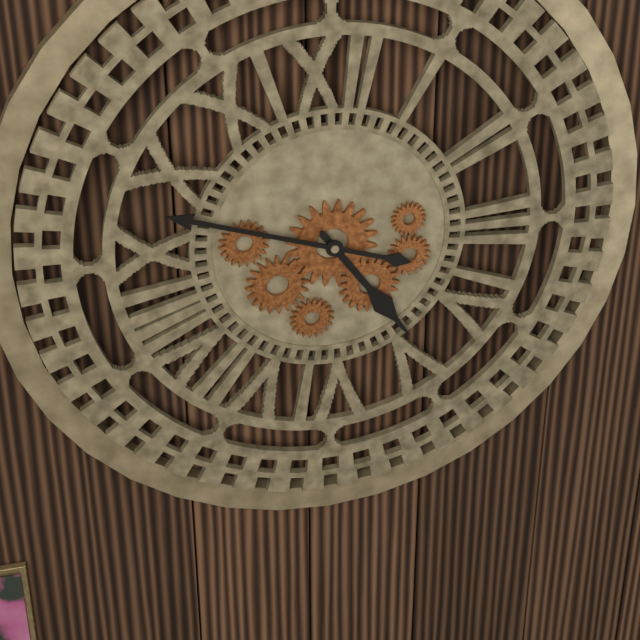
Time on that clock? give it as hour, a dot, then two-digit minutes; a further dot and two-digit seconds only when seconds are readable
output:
4.48
